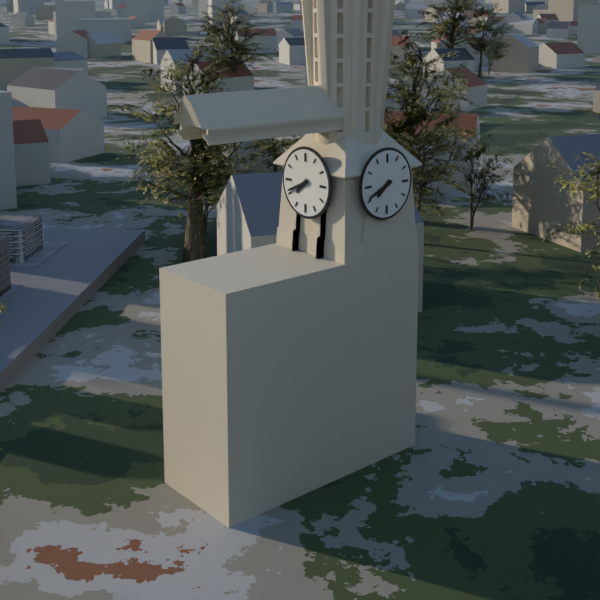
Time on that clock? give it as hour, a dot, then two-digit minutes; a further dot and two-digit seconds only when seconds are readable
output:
7.41
